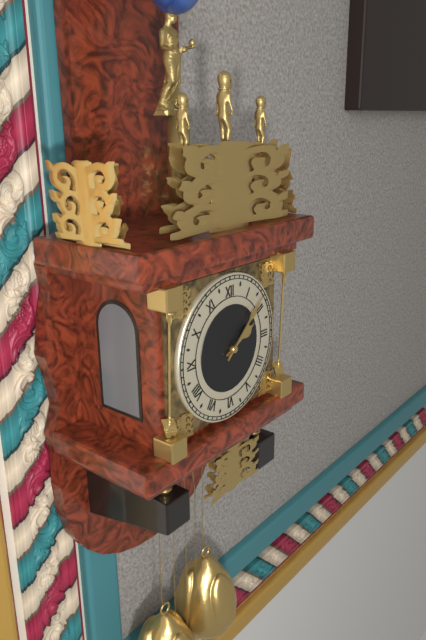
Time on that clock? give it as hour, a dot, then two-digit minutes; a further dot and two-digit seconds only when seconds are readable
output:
2.08
